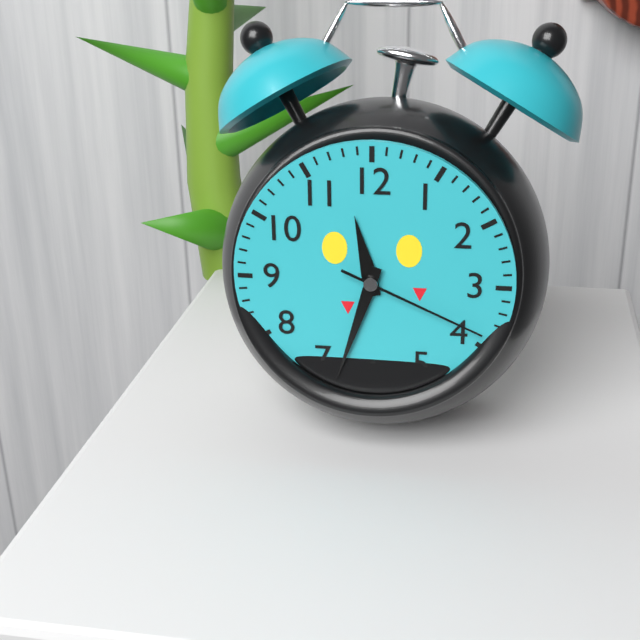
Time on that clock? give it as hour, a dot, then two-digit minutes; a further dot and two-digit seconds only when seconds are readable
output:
11.33.19
